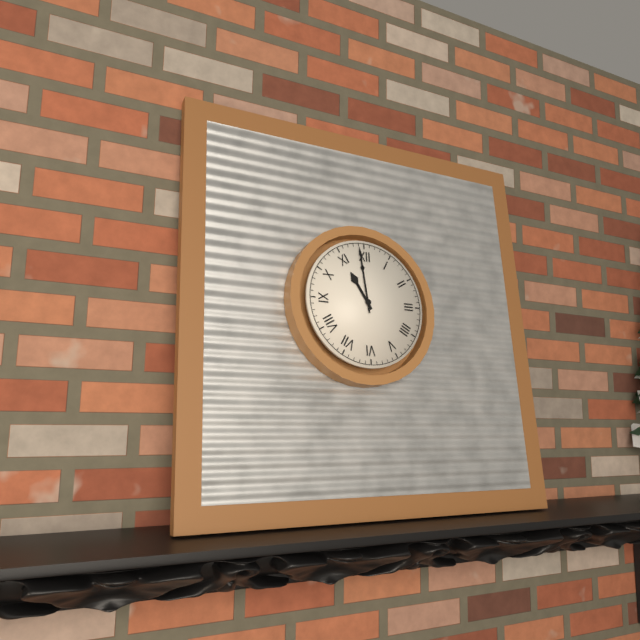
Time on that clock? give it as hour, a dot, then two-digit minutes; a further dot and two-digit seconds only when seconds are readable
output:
10.59
